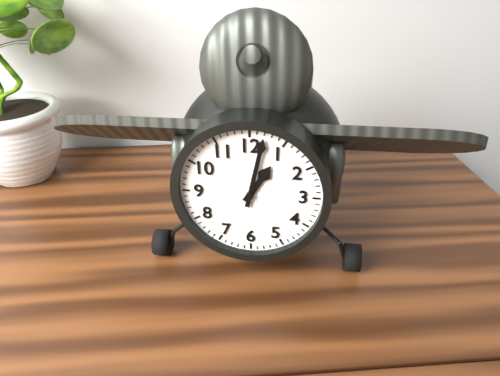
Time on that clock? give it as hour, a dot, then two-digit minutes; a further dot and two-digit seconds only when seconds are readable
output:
1.02
